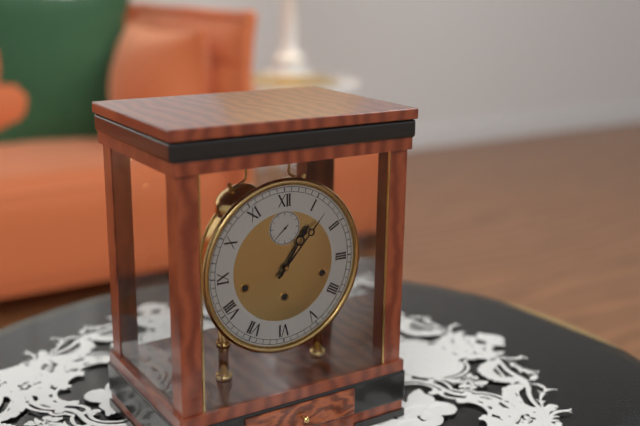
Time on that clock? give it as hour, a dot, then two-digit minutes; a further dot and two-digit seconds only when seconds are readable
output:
1.07
